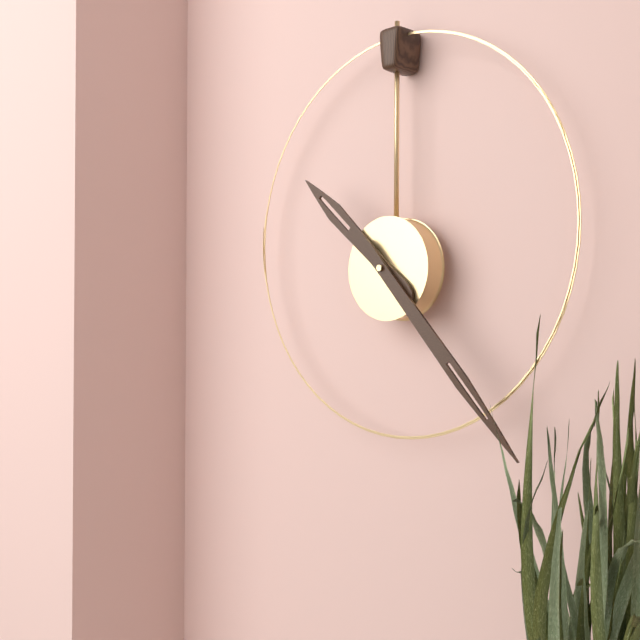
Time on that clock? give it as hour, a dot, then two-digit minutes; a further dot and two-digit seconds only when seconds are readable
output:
10.23
